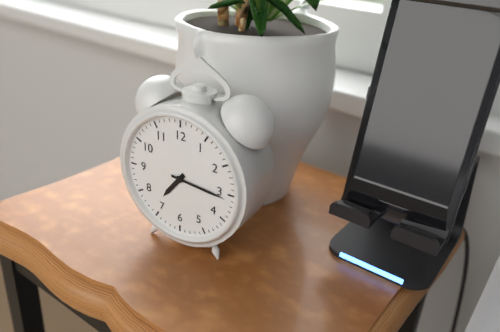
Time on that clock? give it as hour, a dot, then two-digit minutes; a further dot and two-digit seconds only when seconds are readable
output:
7.16
